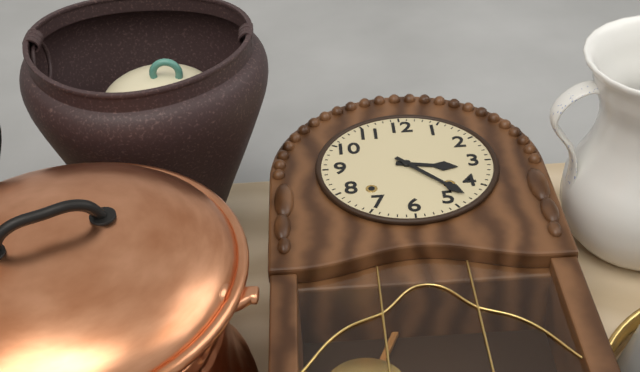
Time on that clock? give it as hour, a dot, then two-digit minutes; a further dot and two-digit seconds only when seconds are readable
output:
3.23
